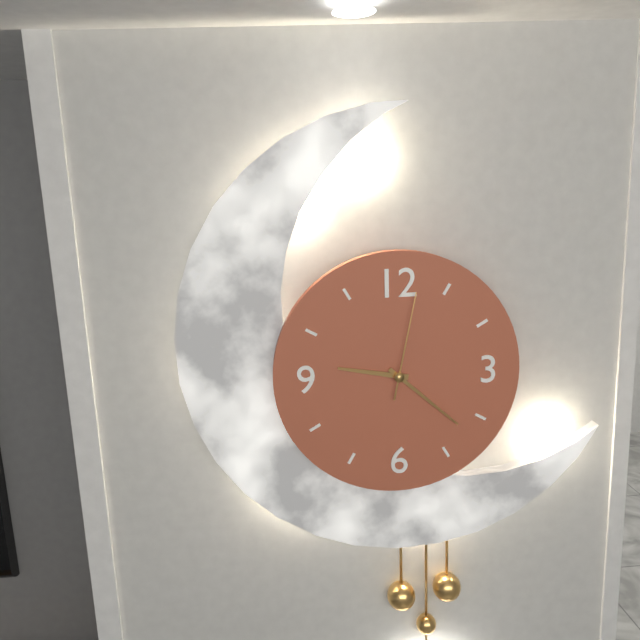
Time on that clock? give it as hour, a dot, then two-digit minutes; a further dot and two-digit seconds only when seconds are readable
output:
9.22.02
